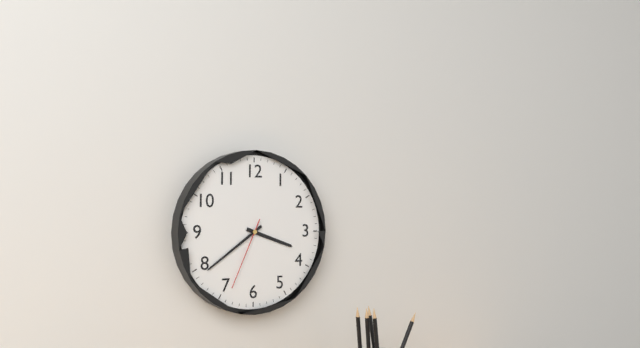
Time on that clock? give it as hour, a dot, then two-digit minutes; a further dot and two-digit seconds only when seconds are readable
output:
3.39.34
